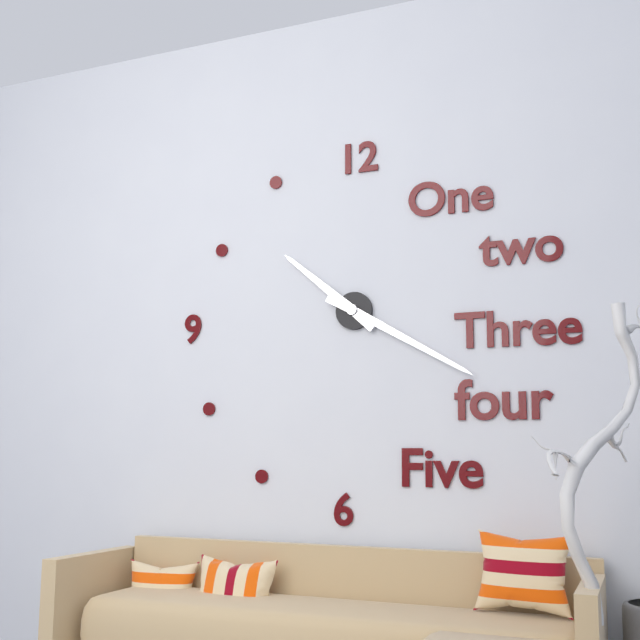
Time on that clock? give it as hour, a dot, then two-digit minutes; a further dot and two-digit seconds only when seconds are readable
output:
10.20
